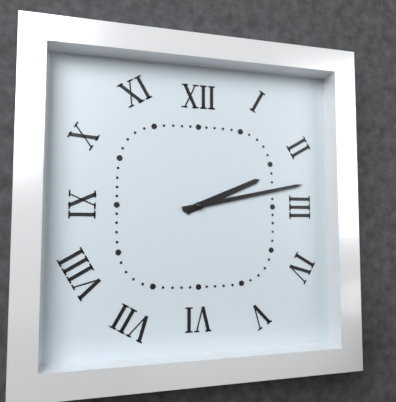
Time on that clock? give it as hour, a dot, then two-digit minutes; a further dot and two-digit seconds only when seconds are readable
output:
2.13
